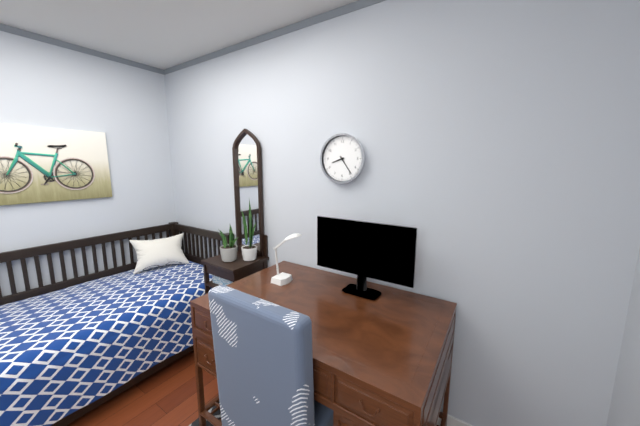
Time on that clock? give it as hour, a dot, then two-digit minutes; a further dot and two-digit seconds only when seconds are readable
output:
8.24
